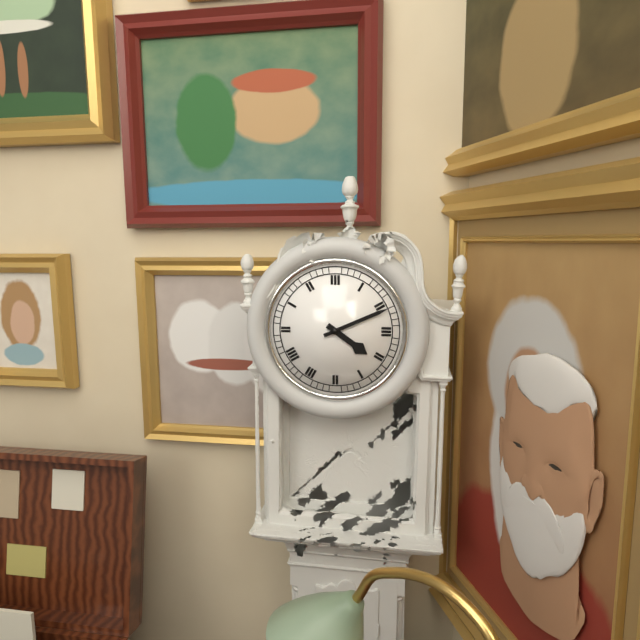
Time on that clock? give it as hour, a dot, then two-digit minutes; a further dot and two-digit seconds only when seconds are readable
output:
4.11
